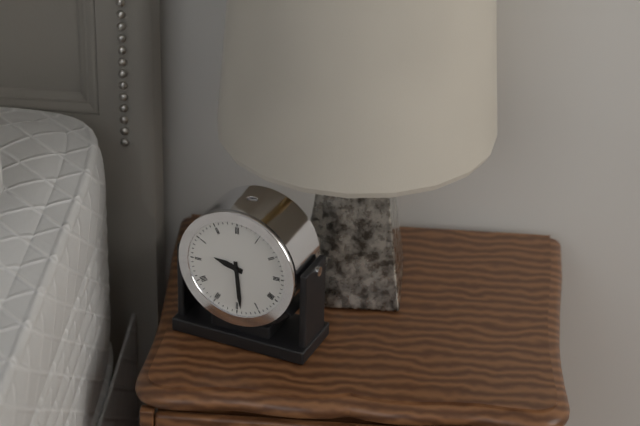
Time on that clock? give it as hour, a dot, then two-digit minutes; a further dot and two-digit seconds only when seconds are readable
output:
9.29
